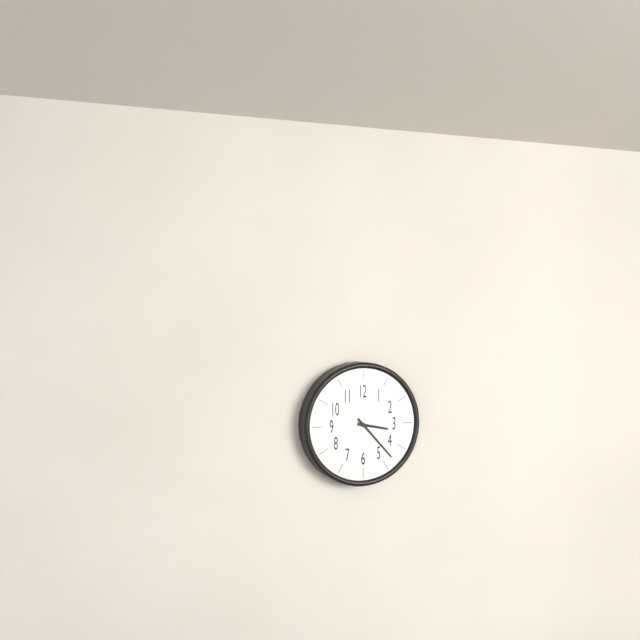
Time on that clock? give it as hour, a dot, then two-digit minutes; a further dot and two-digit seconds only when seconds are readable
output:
3.23
